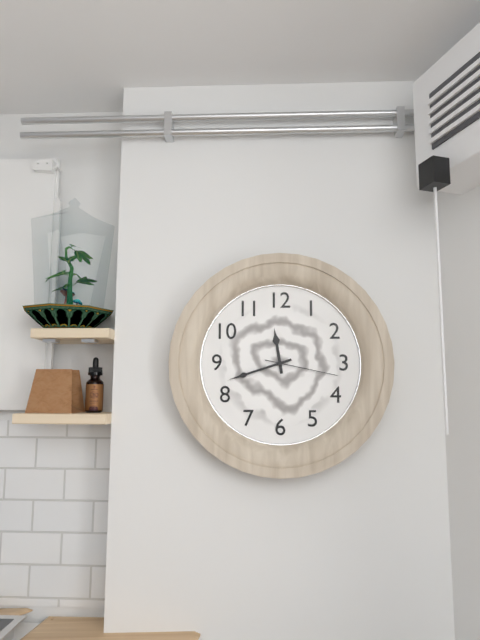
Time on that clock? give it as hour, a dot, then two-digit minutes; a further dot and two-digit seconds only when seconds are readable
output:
11.42.17
